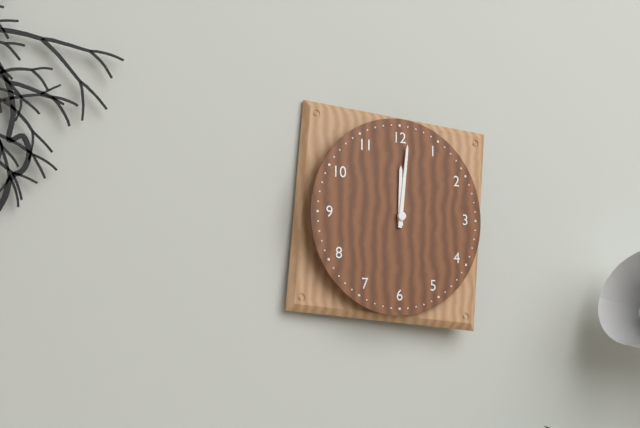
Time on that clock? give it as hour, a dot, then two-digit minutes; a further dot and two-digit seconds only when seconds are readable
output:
12.01
